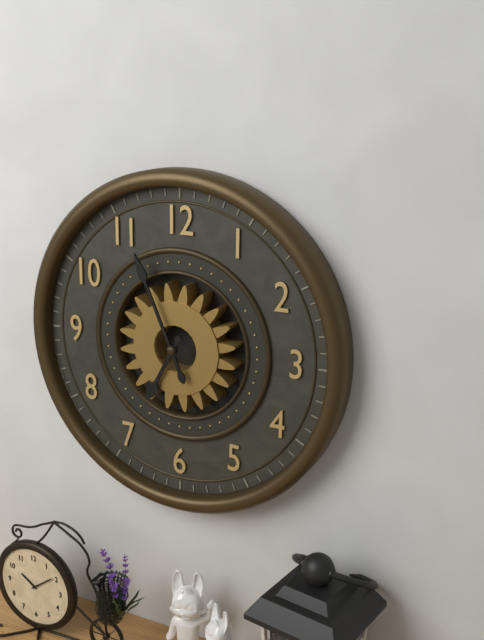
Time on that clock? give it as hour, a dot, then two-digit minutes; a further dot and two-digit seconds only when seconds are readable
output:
6.56
